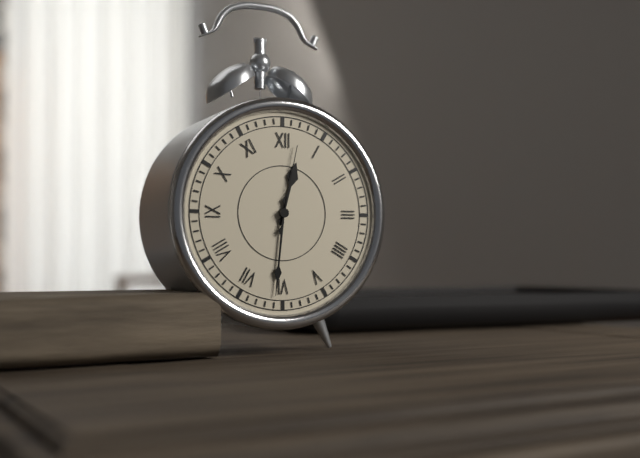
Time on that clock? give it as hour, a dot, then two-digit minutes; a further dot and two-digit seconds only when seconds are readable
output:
12.31.02
